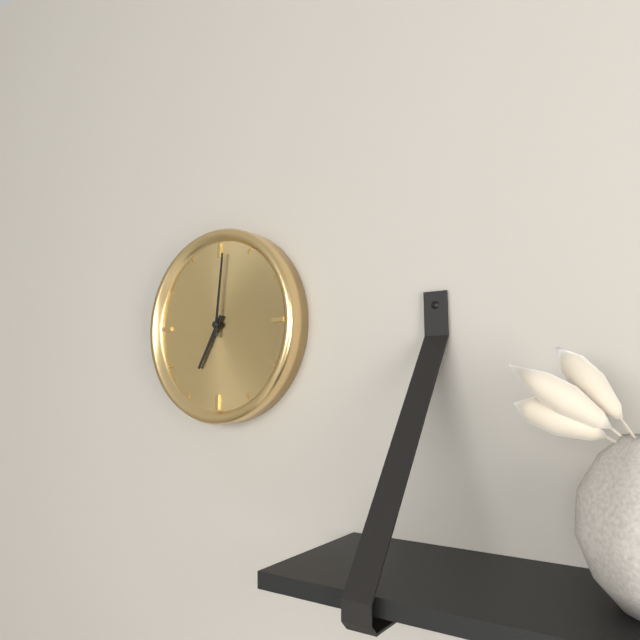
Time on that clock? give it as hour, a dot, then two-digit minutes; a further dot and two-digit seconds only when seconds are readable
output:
7.01
